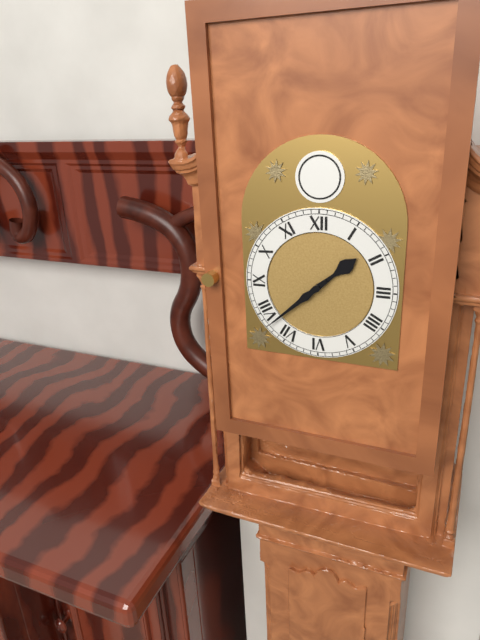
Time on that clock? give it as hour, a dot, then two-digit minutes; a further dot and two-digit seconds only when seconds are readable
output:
1.38
